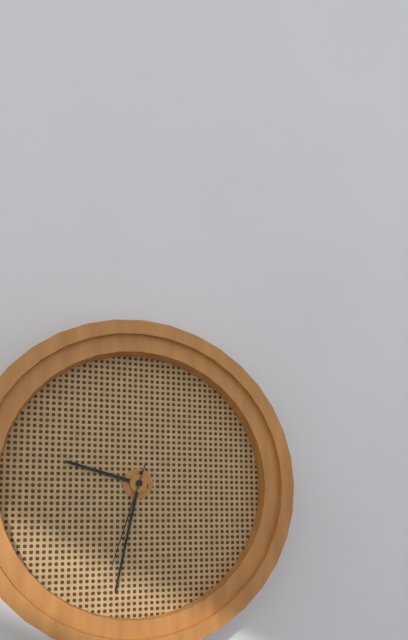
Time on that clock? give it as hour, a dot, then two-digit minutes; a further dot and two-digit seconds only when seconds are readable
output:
9.32.33
